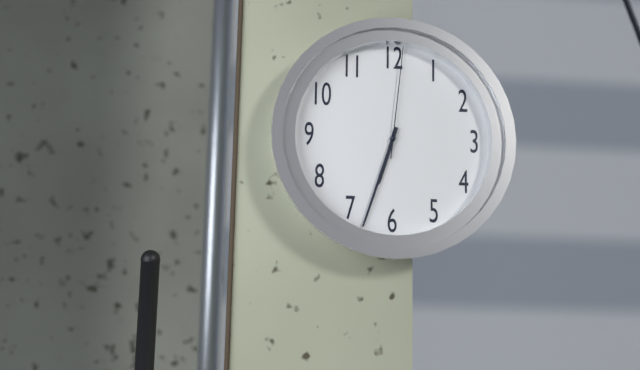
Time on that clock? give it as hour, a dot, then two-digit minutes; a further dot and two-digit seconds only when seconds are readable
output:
6.33.01
